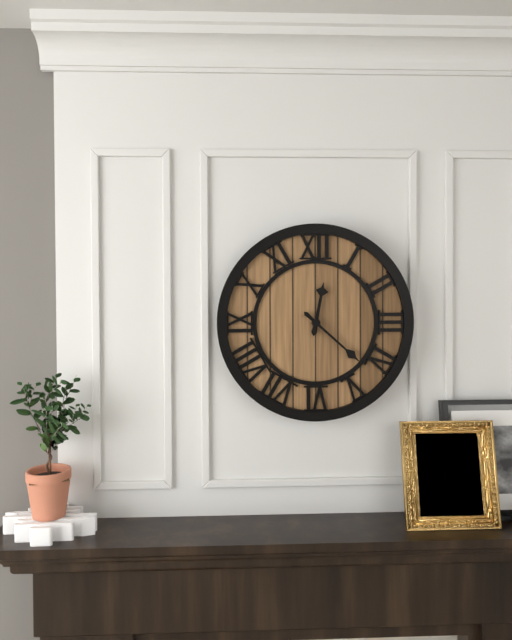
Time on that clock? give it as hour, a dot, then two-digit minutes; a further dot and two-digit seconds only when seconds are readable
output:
12.22
